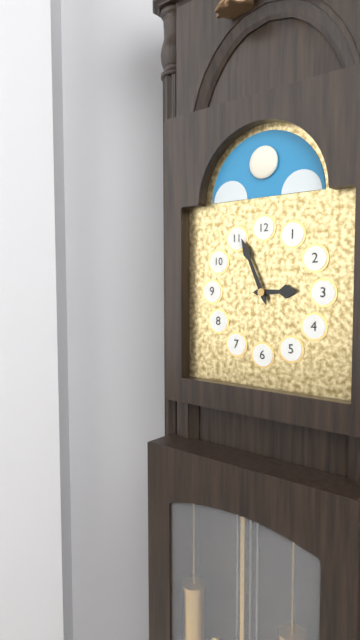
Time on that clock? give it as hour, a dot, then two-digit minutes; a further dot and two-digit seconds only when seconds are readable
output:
2.56
